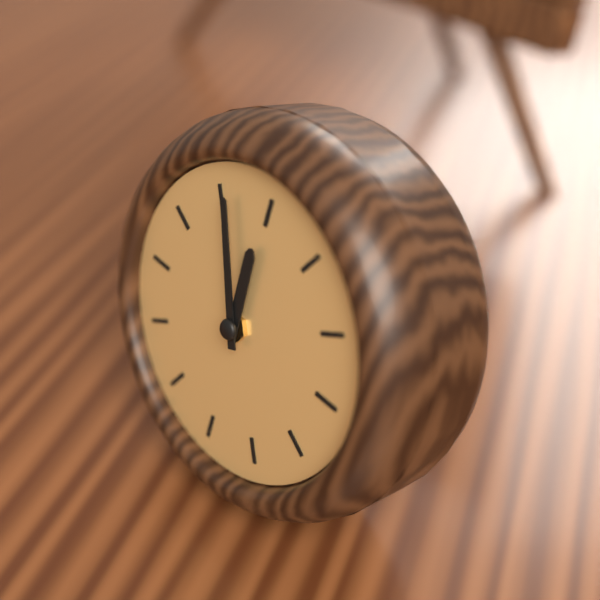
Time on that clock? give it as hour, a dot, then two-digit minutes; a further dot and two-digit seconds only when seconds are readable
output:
11.56
